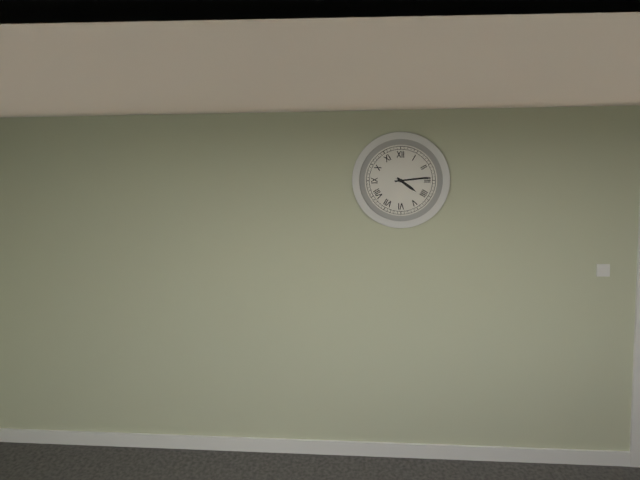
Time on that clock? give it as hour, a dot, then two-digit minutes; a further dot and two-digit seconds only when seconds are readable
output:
4.14
